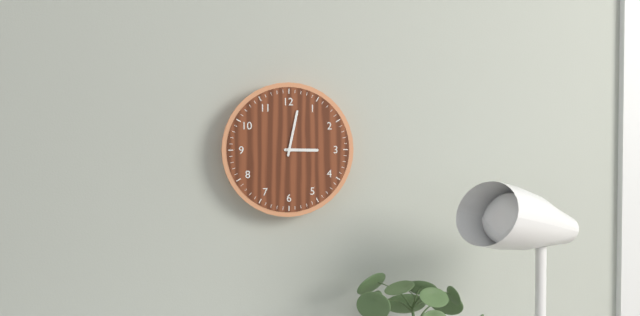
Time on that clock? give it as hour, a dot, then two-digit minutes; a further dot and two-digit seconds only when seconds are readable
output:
3.02
